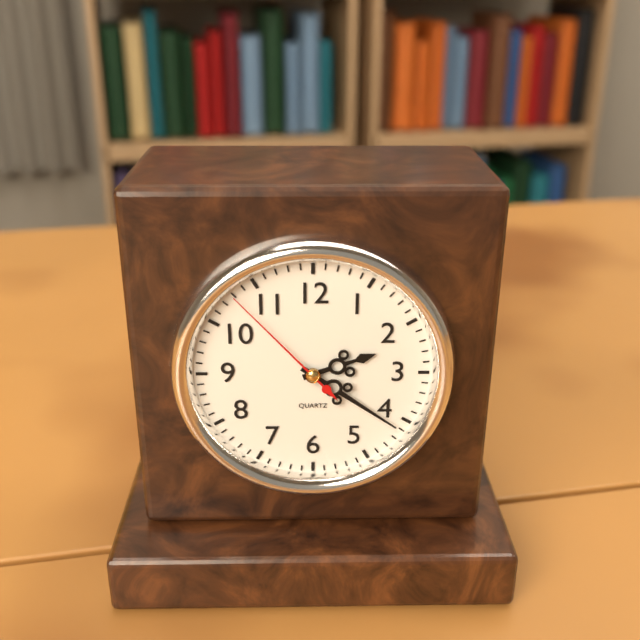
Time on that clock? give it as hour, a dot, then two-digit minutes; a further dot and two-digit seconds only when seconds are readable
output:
2.21.53
